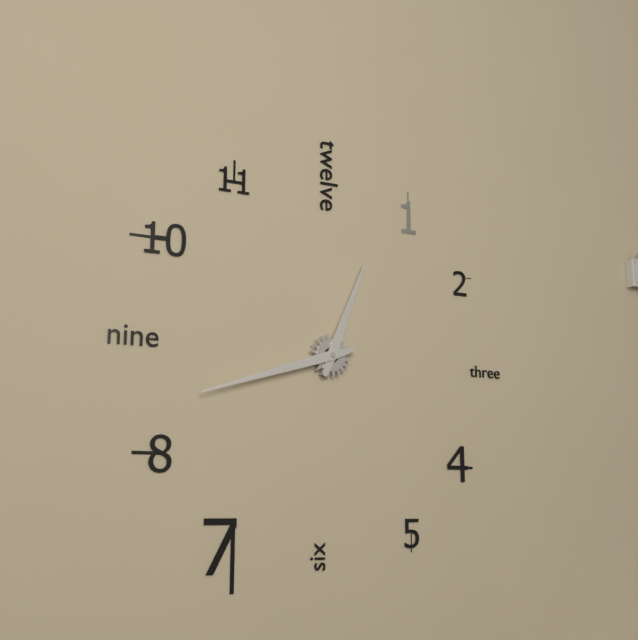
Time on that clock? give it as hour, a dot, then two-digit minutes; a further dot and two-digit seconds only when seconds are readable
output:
12.42
